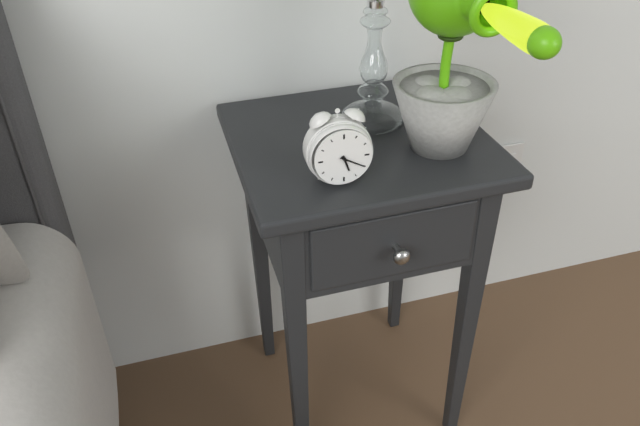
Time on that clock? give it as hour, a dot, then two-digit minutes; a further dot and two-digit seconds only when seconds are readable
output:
5.20
